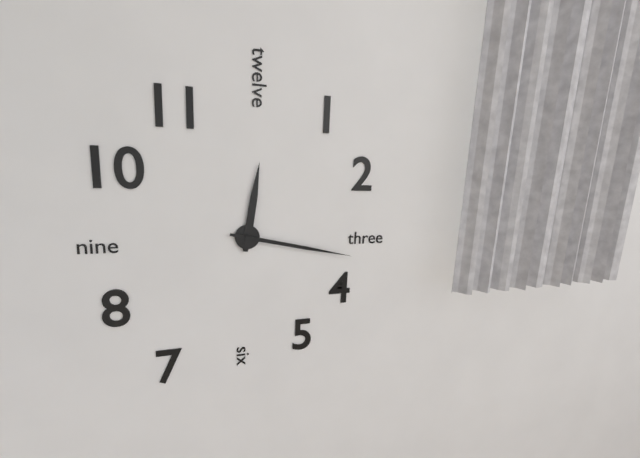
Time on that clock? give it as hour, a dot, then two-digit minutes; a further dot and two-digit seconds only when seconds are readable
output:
12.17
